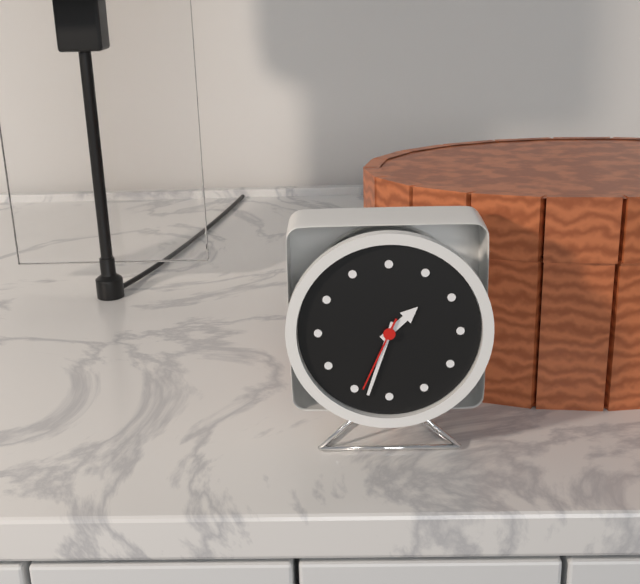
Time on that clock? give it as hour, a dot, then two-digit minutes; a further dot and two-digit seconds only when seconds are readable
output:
1.33.34
